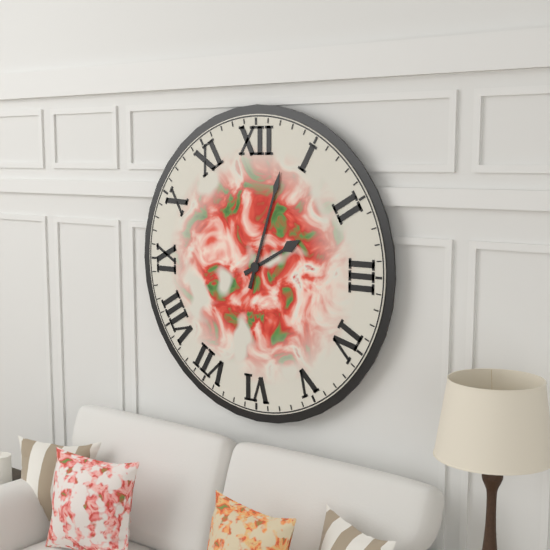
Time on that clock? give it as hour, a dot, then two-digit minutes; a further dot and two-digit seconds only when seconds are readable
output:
2.03
